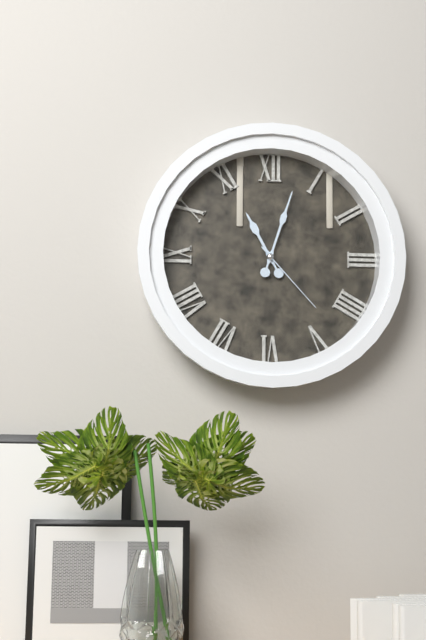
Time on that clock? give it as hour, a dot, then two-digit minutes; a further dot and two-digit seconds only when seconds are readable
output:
11.03.23
